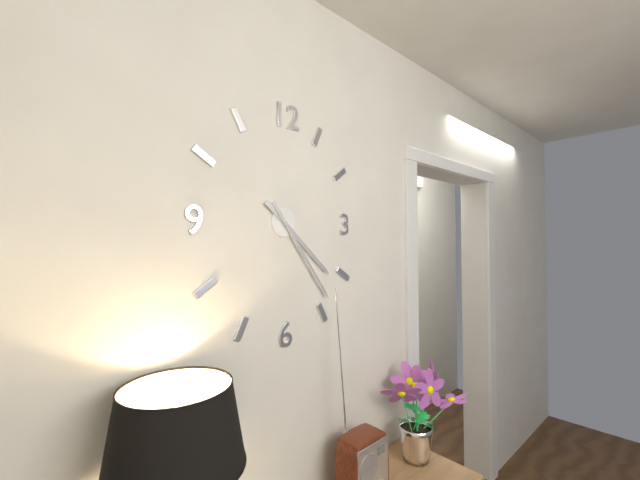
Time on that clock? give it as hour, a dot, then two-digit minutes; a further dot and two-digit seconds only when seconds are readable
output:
4.24
